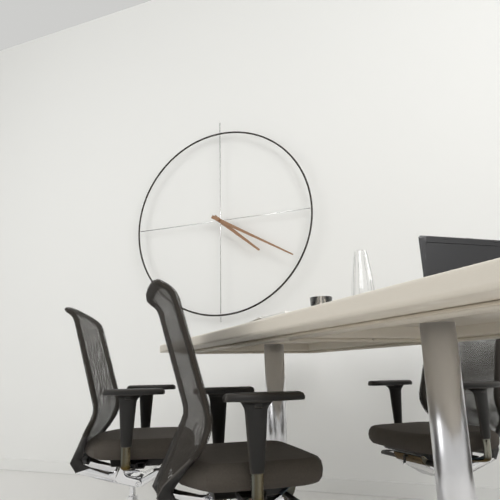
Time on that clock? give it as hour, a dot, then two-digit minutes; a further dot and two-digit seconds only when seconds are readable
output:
4.20
